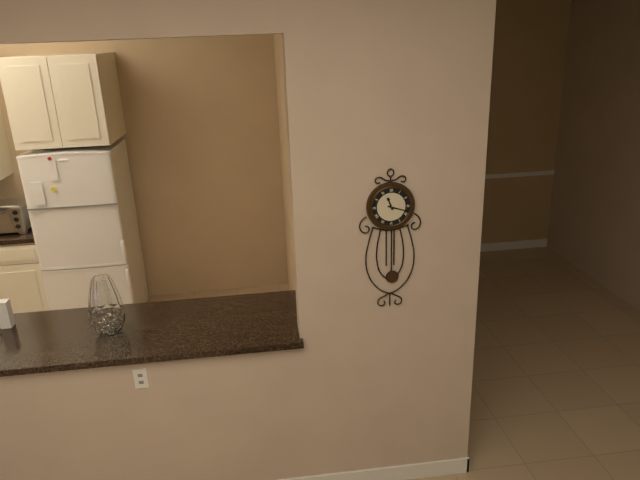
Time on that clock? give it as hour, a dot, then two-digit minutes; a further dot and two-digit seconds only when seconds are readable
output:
11.18
